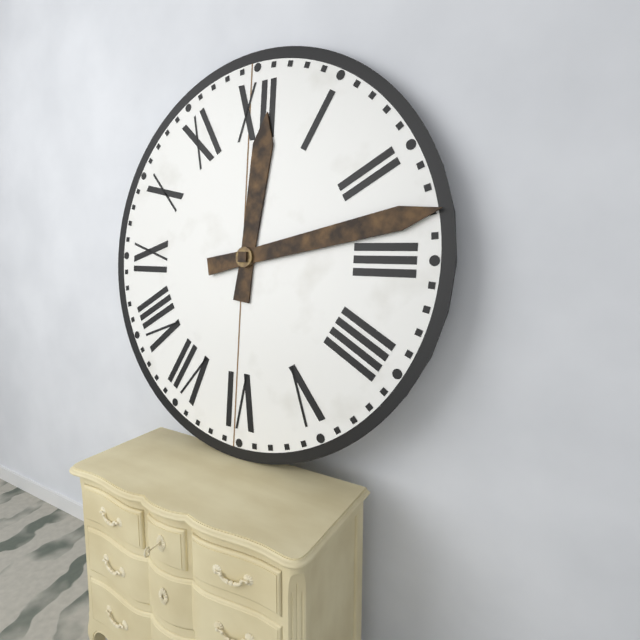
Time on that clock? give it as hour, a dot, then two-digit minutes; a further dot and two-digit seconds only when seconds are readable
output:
12.13
